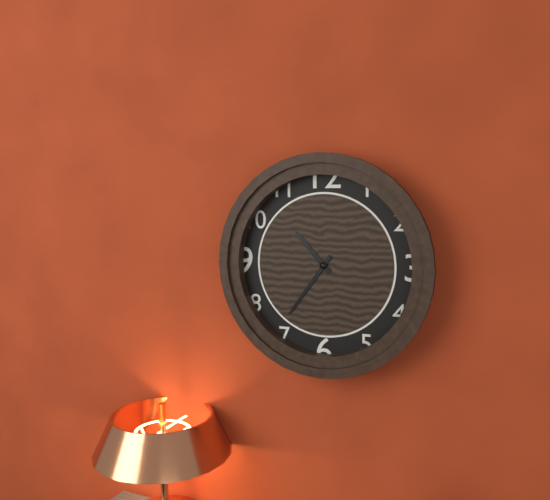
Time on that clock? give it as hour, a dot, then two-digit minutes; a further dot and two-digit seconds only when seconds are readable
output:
10.36
